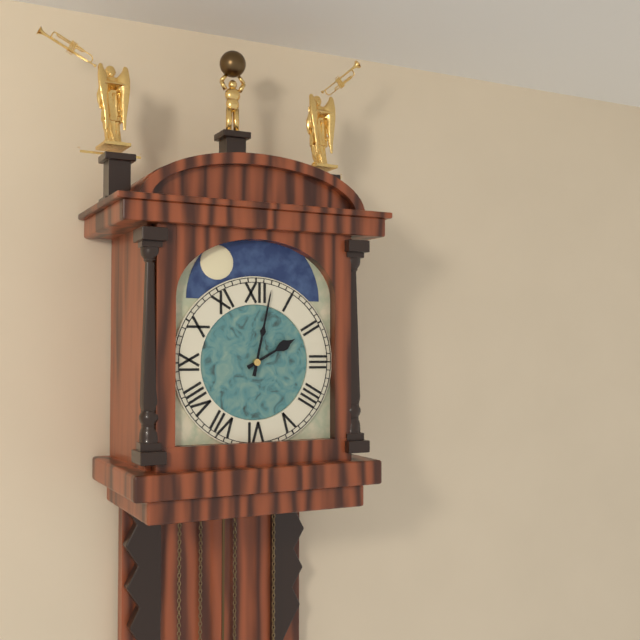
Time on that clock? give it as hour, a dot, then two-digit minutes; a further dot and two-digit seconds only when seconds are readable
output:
2.02
